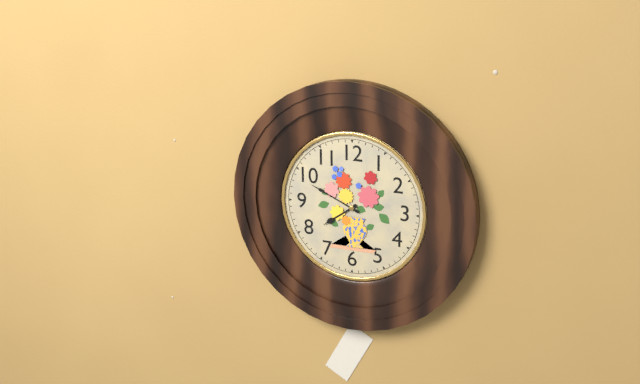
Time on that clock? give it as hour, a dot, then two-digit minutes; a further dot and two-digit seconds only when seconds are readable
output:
7.49
